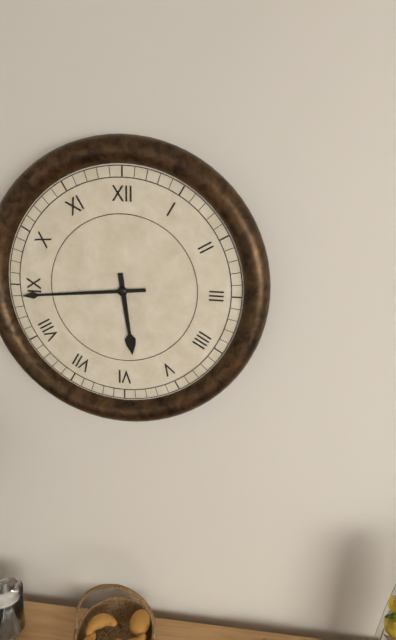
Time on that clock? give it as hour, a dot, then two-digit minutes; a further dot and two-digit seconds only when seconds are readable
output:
5.44
